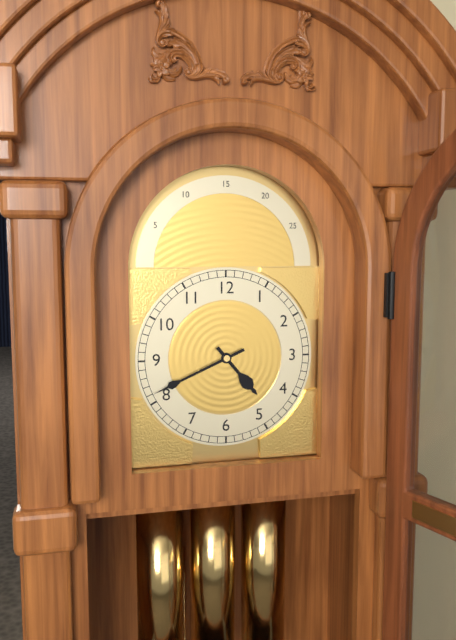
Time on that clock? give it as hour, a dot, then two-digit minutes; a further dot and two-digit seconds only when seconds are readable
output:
4.41
